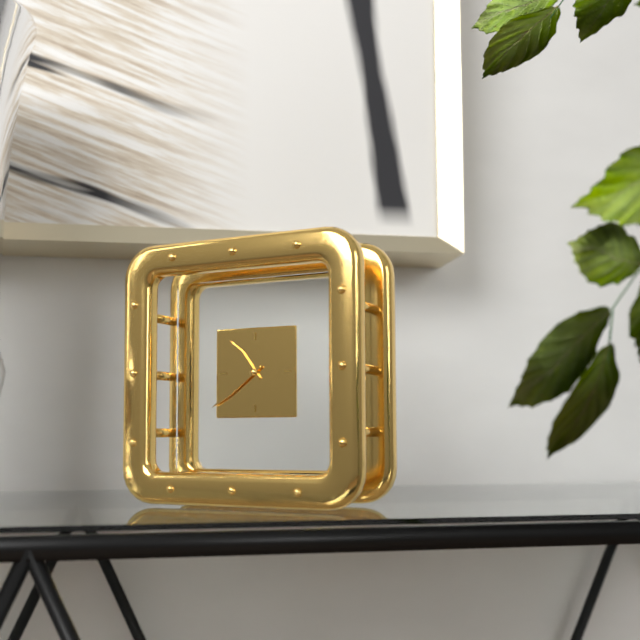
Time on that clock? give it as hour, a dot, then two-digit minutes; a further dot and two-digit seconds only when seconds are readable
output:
10.39
